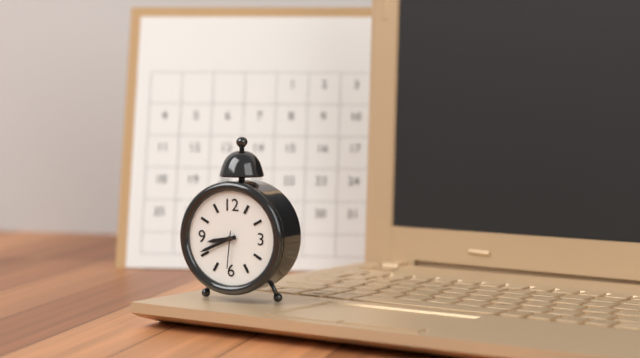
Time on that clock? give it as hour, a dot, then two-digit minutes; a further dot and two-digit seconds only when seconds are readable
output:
8.41
